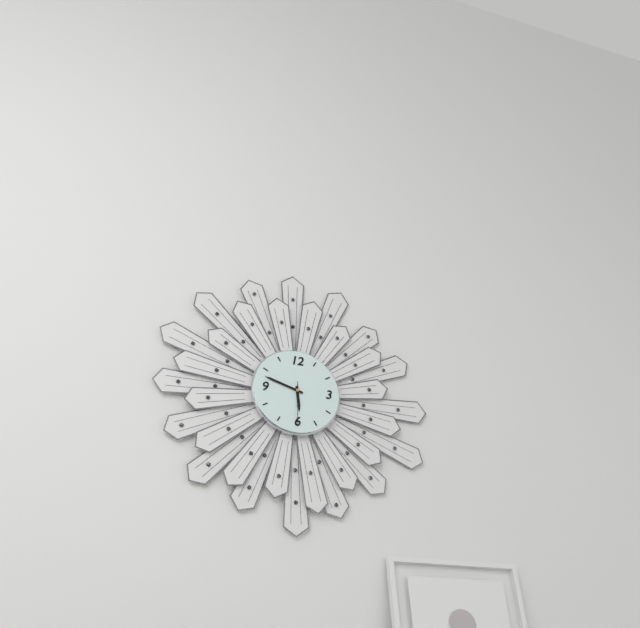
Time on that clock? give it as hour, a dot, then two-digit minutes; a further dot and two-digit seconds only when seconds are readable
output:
5.48
